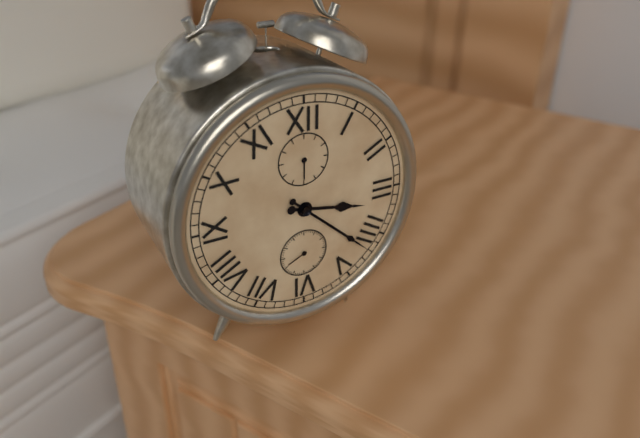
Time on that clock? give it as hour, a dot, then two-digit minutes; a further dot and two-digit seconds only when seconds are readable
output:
3.22
